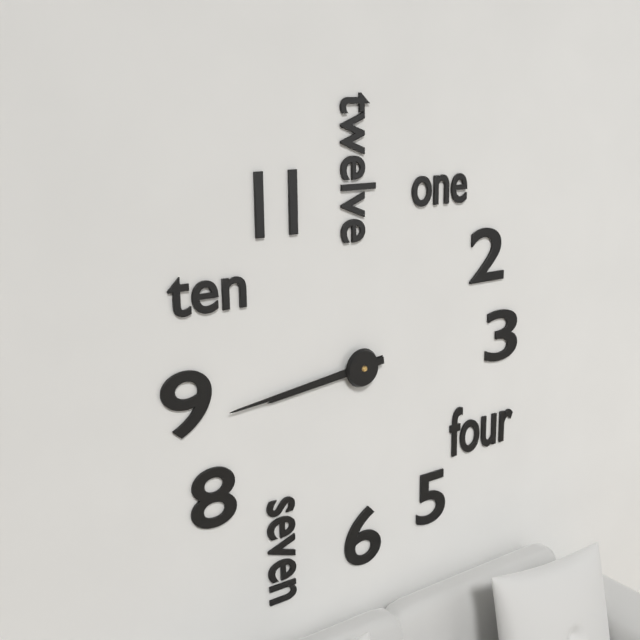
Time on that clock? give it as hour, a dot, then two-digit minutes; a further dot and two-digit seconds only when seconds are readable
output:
8.44
